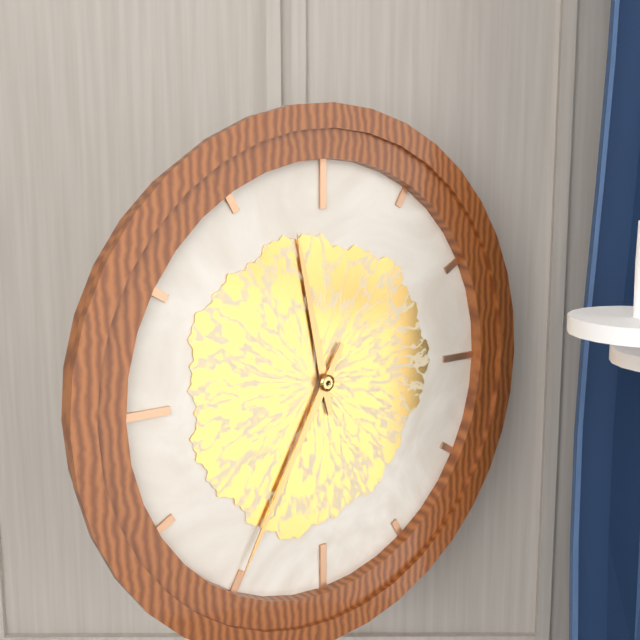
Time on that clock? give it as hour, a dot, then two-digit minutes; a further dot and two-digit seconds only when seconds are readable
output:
11.35
